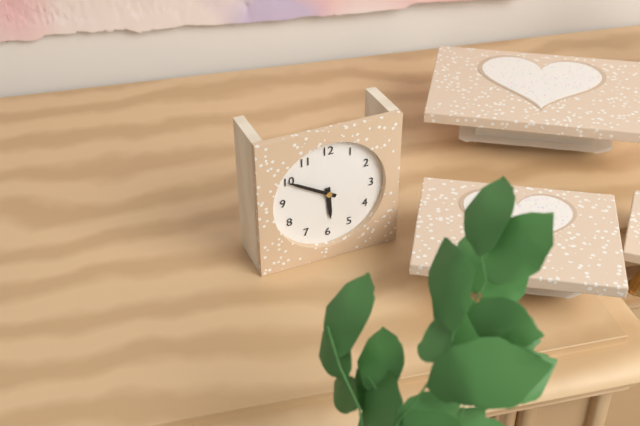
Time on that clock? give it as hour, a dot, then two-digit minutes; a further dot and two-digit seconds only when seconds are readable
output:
5.50
